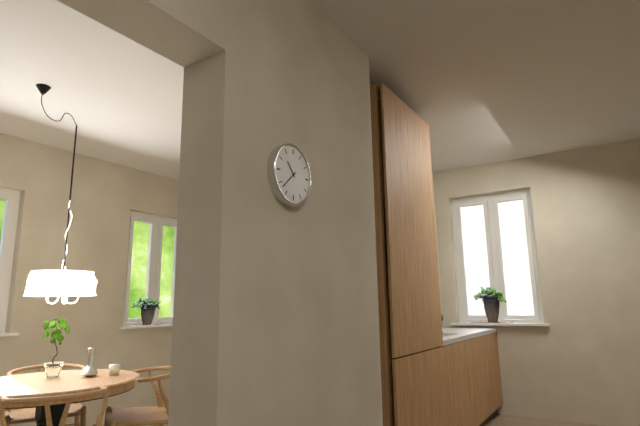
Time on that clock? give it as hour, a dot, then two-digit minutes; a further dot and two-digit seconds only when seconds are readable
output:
10.38
